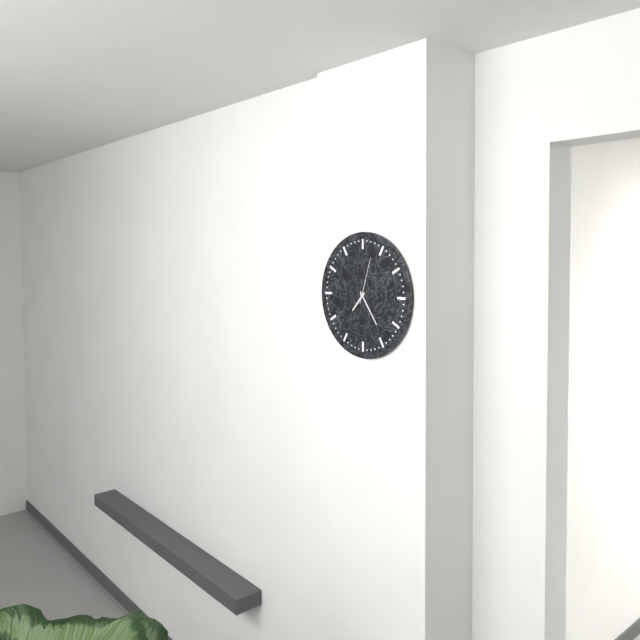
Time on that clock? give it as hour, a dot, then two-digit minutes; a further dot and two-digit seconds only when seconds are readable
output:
7.24
